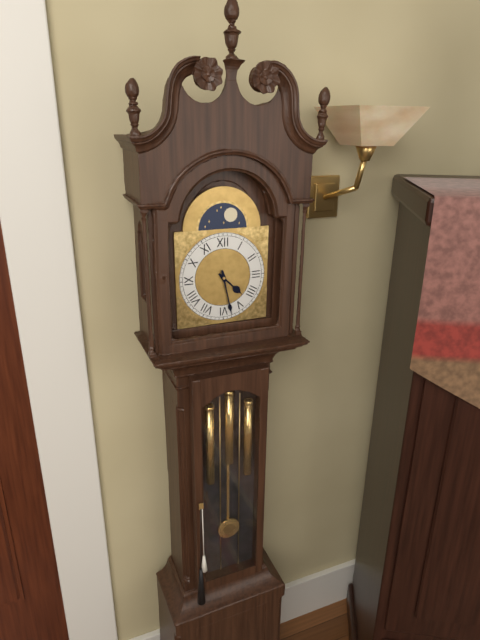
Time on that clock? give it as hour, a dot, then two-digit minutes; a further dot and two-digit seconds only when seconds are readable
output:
4.28
